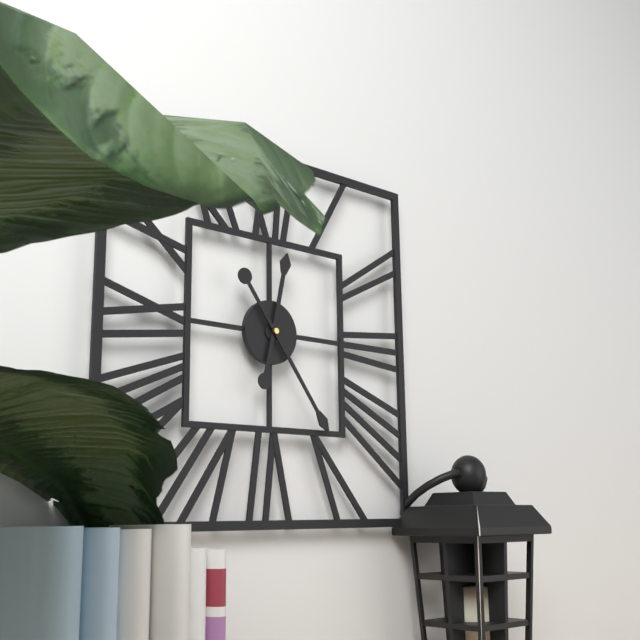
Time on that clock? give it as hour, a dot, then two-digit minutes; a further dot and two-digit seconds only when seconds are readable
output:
12.24
